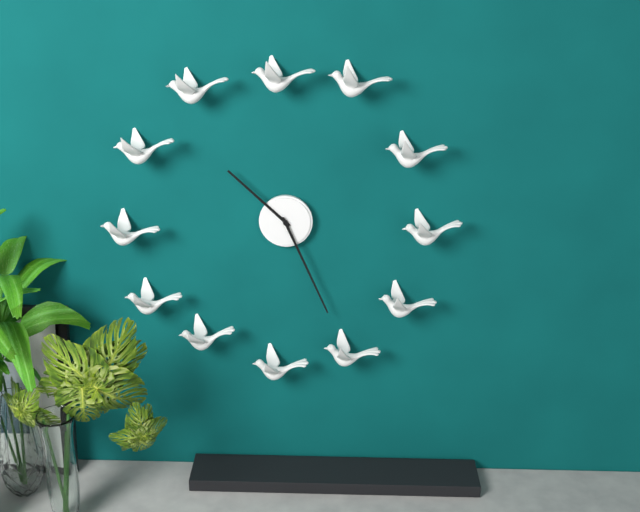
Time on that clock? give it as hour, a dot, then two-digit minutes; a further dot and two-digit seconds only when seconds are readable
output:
10.26
